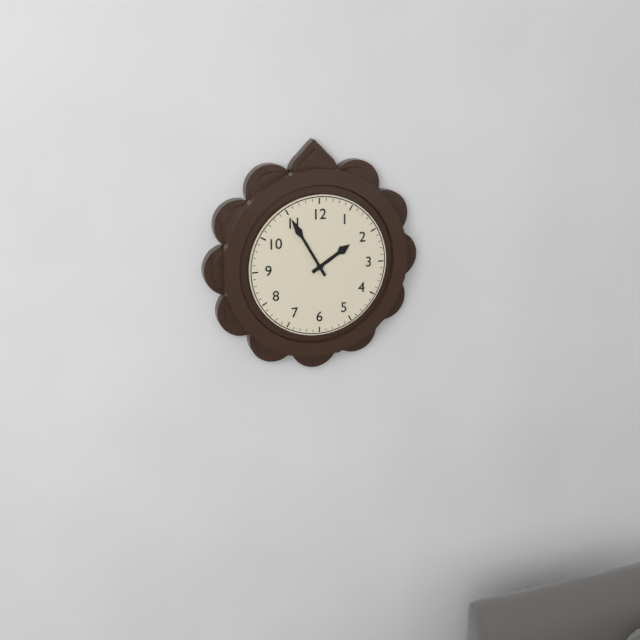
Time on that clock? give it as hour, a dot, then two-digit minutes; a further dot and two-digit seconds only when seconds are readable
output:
1.55
